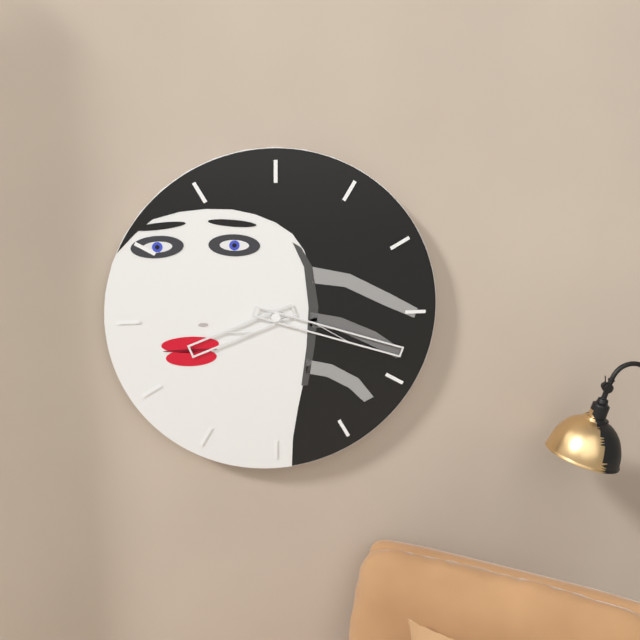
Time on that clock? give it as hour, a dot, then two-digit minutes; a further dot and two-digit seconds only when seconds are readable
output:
8.18
